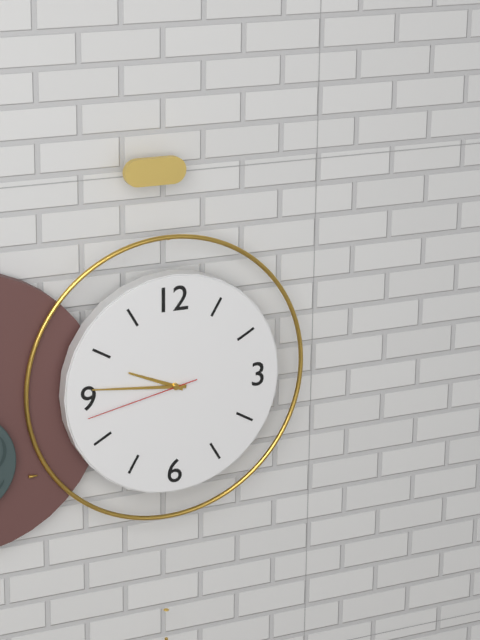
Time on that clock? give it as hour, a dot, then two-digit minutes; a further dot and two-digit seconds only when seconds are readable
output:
9.46.43
